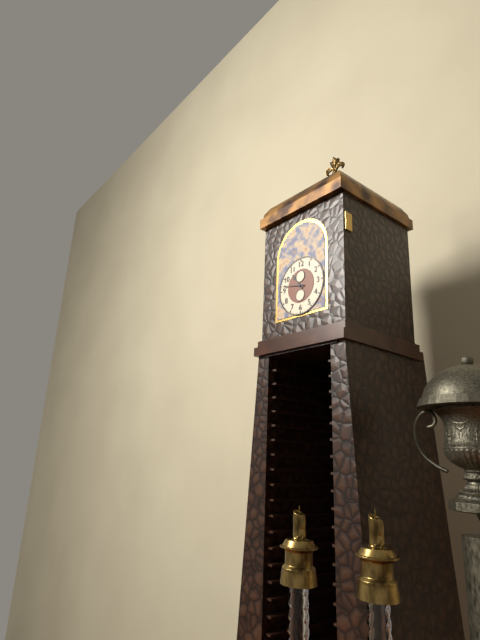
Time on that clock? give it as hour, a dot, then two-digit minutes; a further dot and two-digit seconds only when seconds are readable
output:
10.47
